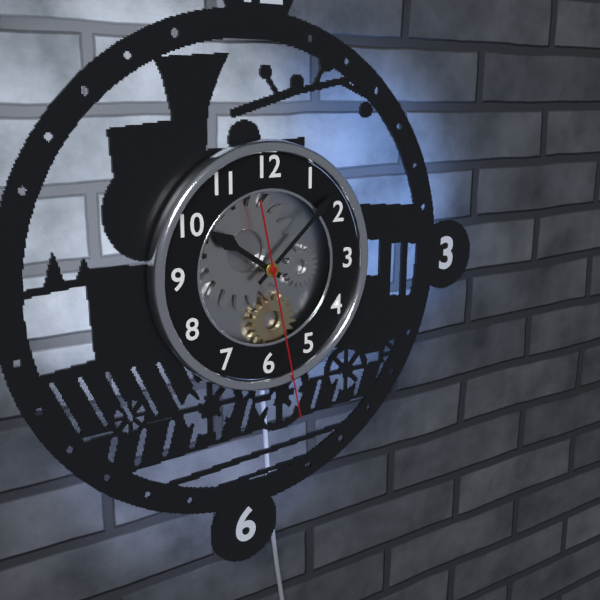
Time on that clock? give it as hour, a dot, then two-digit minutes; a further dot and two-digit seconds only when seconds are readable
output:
10.08.28
